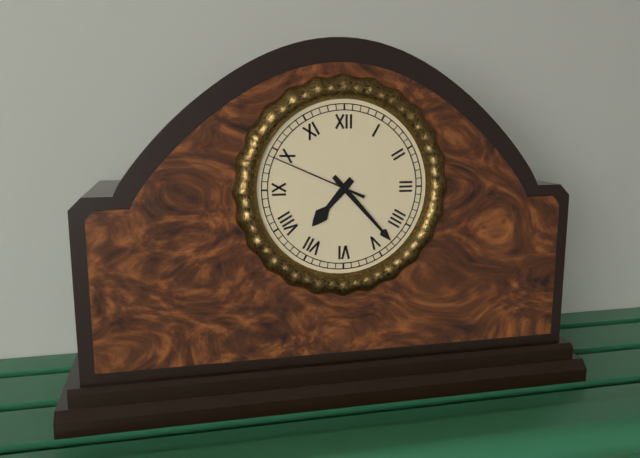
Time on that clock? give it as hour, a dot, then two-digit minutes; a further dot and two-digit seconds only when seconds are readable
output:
7.23.49
